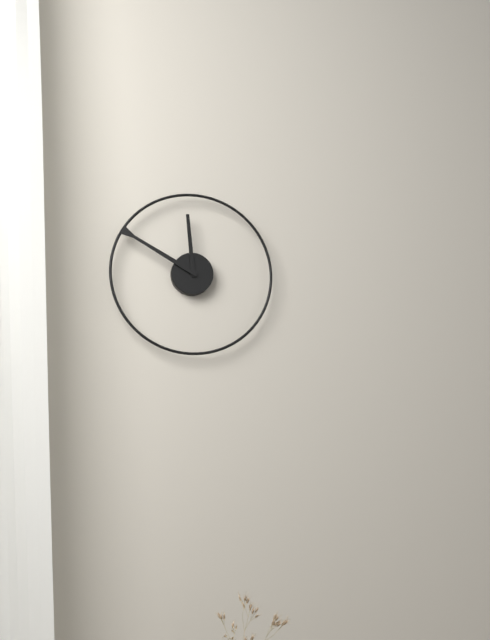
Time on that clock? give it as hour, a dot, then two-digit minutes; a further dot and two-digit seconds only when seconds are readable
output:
11.50
